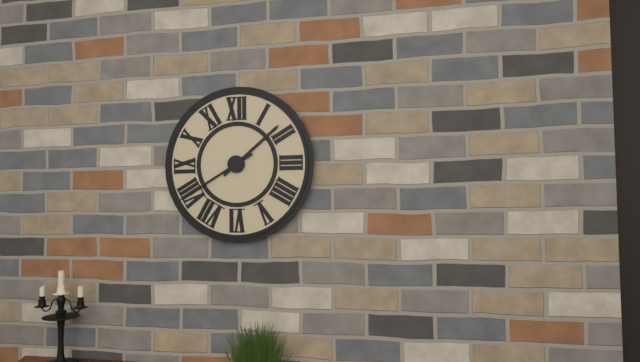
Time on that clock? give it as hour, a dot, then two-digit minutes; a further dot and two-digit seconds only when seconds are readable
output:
1.40
